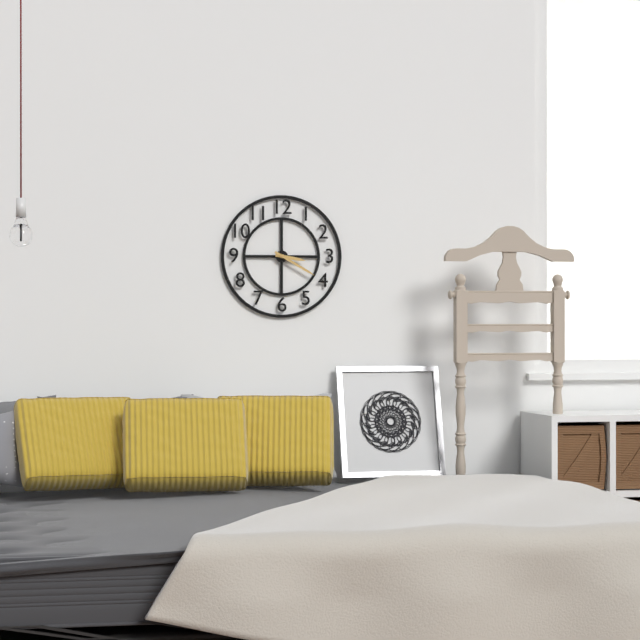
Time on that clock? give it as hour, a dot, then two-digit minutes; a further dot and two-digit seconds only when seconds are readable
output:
3.20
